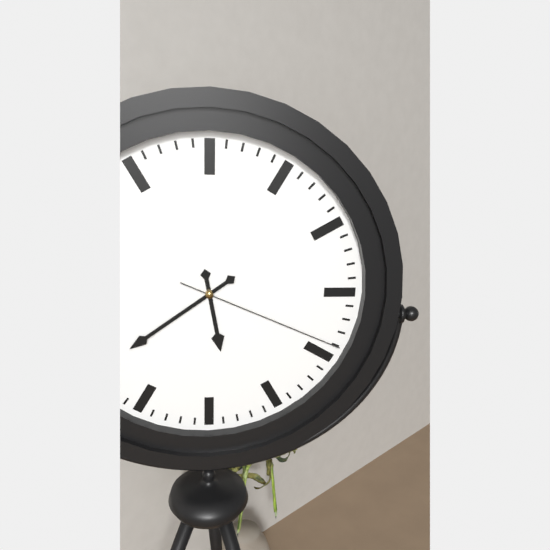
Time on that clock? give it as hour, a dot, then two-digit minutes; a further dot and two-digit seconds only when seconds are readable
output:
5.39.19
